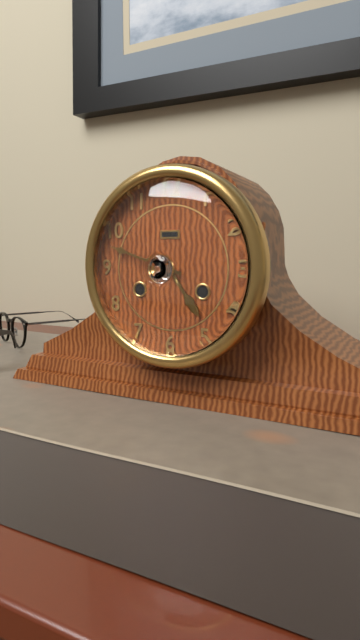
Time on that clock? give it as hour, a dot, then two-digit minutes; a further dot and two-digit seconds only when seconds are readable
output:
4.48
